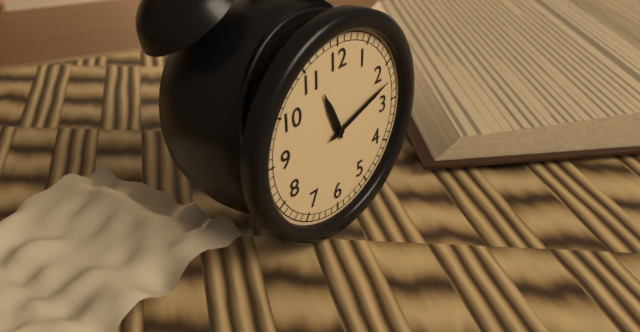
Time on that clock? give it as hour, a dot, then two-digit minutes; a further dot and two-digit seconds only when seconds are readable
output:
11.12
